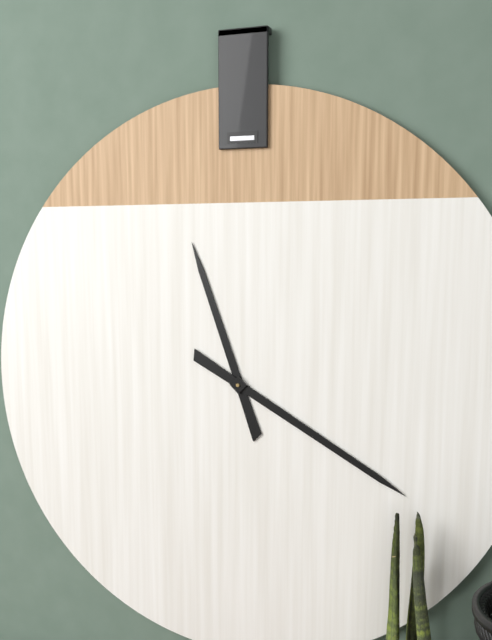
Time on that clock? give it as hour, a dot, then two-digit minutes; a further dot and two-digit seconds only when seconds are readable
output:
11.20
